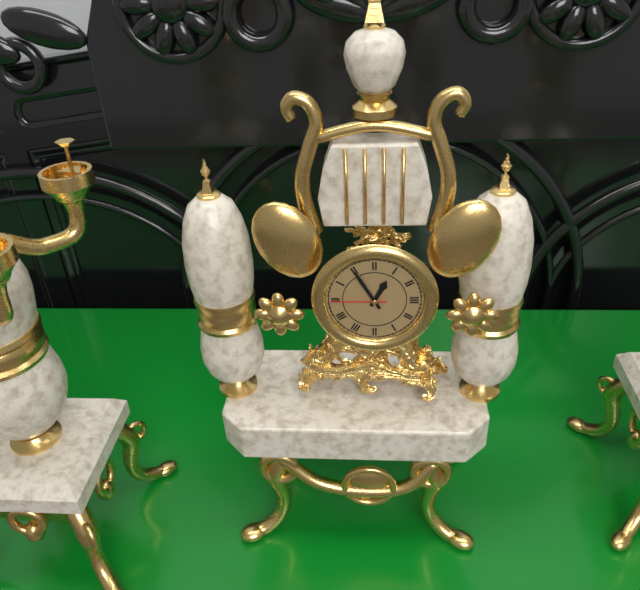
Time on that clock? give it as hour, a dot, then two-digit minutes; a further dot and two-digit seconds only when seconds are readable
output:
12.55.45
